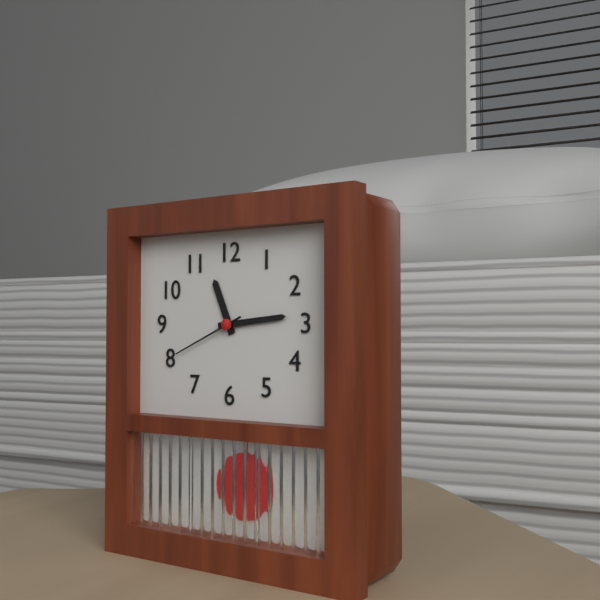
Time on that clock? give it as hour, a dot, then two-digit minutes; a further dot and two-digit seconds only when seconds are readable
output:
11.14.41
